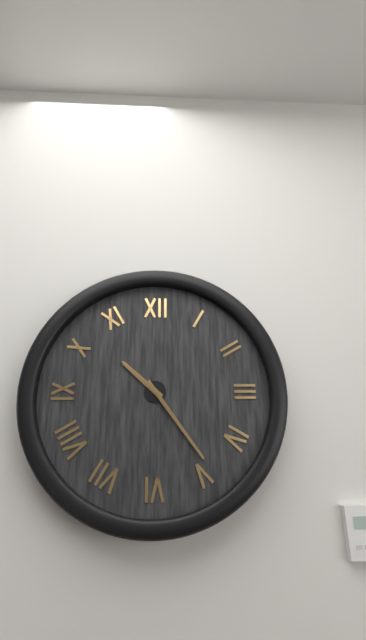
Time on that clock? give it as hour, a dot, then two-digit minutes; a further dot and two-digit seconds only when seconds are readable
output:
10.24
